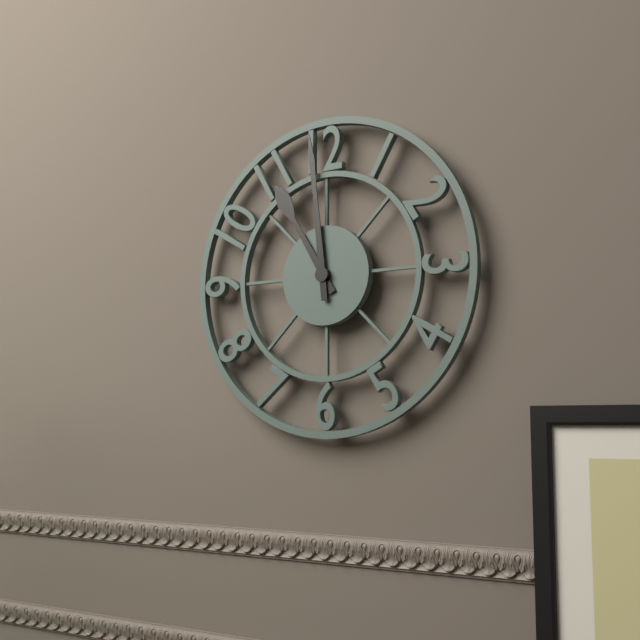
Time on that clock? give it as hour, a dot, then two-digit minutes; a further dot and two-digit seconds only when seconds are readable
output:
10.59
